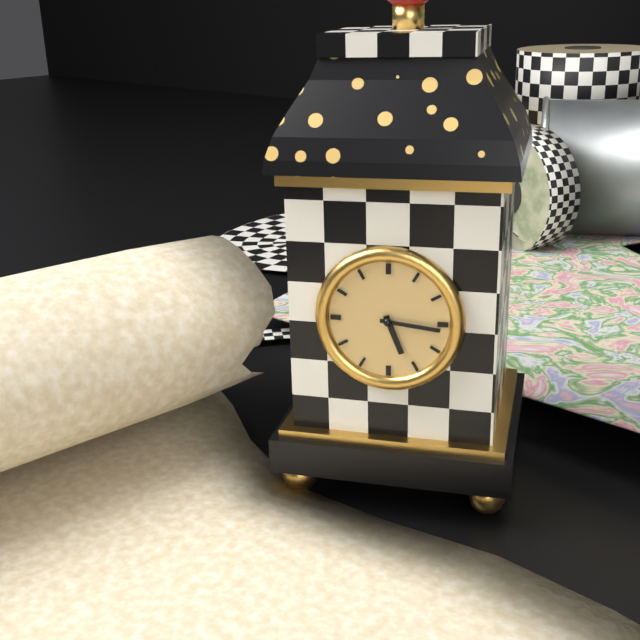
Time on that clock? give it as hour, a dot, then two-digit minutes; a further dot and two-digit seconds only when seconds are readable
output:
5.16
